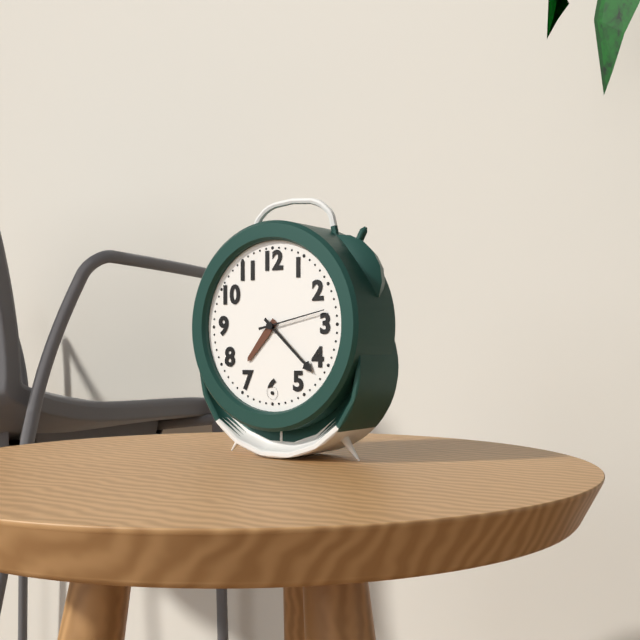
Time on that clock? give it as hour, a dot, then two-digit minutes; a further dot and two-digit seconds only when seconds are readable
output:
7.22.13
